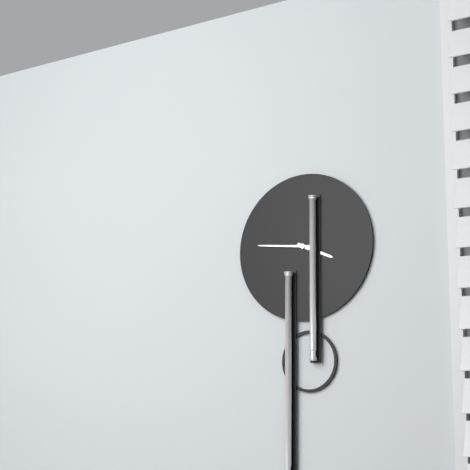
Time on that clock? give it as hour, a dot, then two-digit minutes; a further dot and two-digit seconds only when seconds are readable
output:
3.46
